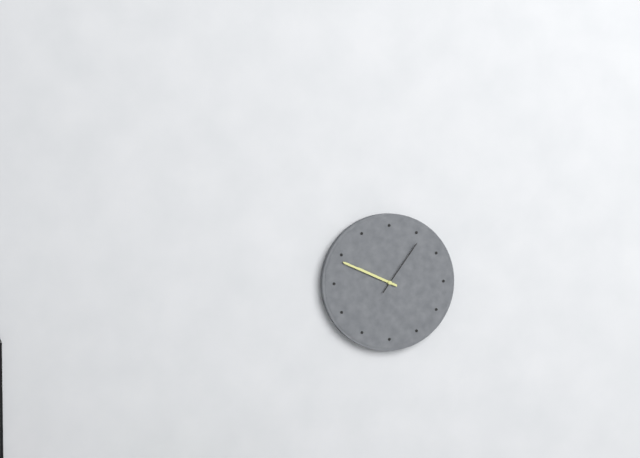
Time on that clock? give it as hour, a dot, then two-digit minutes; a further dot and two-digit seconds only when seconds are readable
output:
9.49.06
